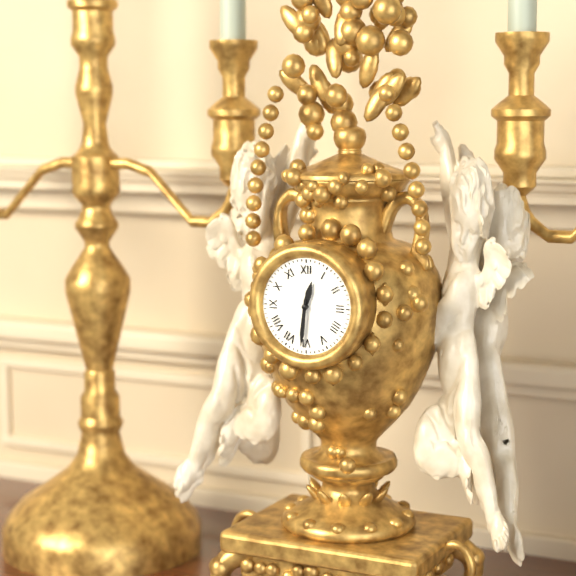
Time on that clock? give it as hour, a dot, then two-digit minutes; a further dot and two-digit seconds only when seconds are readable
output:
12.31
